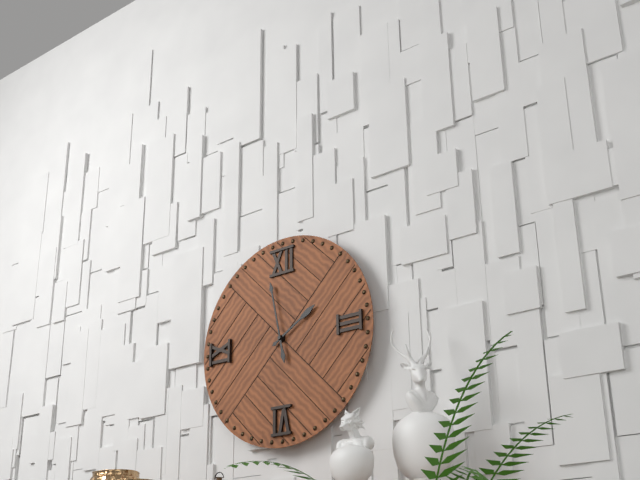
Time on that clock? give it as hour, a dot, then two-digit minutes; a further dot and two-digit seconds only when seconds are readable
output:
1.58
